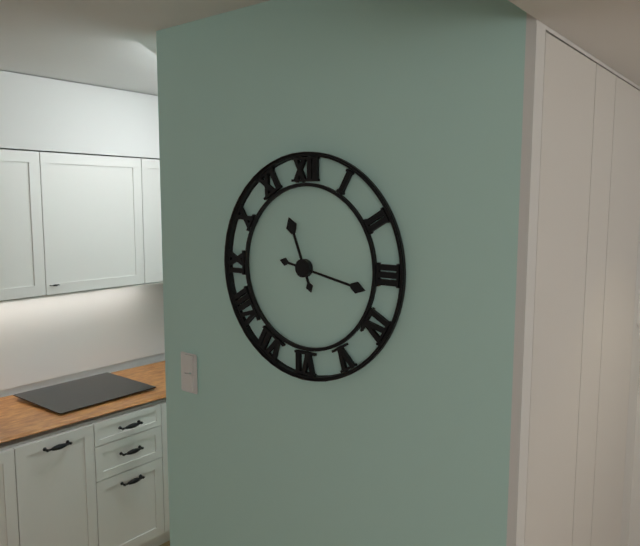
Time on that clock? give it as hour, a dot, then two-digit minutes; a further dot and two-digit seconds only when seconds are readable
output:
11.17
